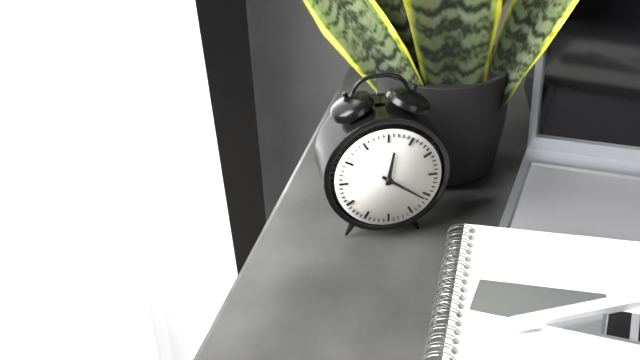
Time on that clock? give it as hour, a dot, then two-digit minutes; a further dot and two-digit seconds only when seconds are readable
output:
12.21
